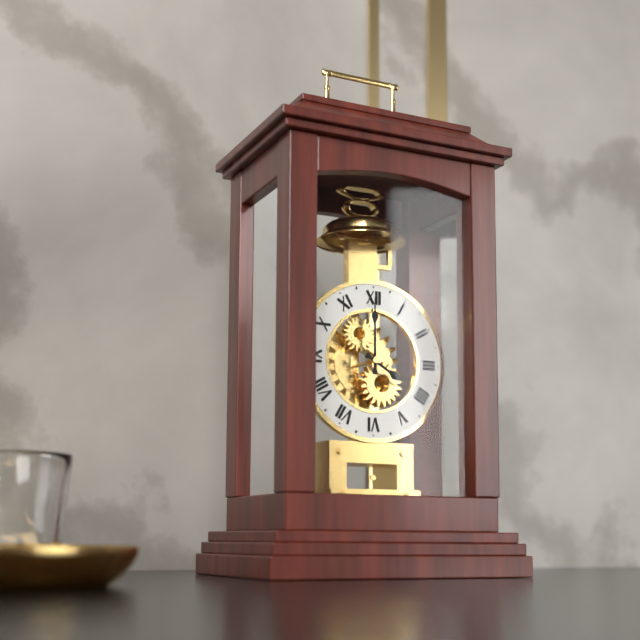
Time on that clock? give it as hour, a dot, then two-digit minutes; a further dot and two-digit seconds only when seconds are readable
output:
4.00
